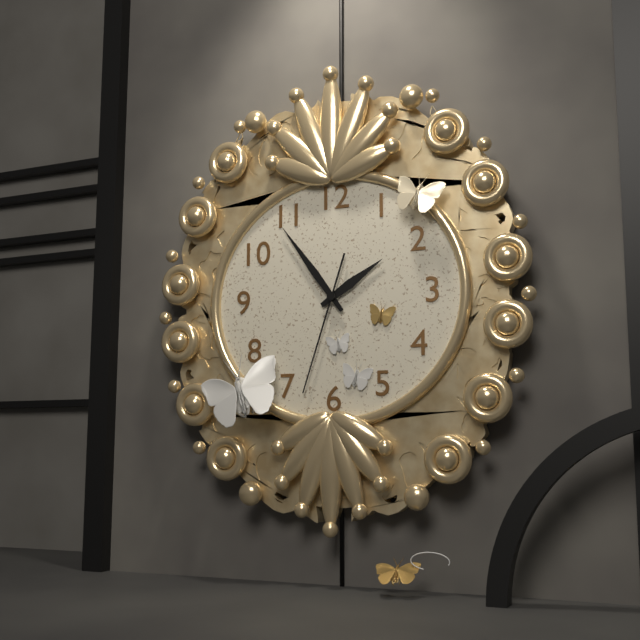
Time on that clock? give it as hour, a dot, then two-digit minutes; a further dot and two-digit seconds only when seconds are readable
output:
1.54.33
